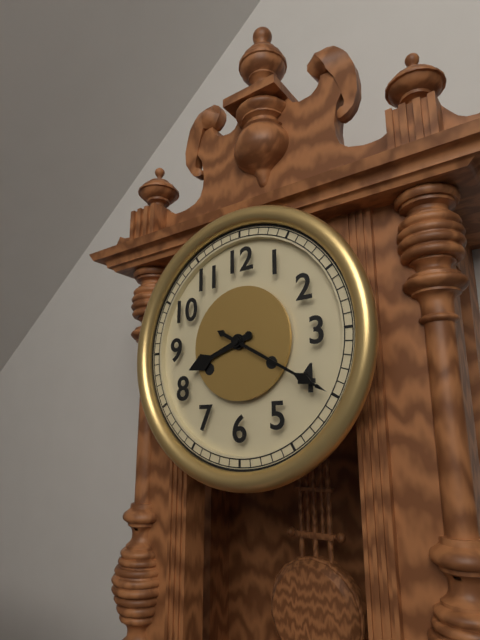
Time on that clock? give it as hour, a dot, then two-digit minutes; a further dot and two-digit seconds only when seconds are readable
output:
8.20
